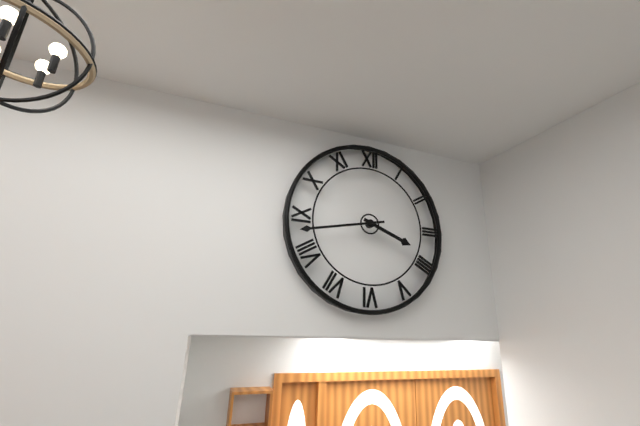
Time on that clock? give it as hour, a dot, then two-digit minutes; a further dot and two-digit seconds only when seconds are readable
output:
3.43
